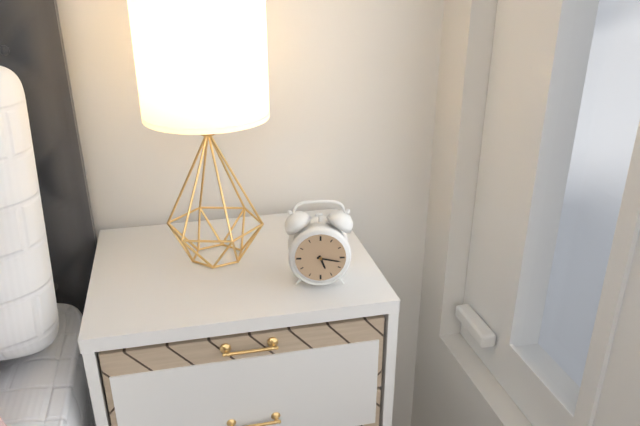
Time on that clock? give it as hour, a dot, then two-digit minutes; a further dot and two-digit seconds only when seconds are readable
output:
5.17
